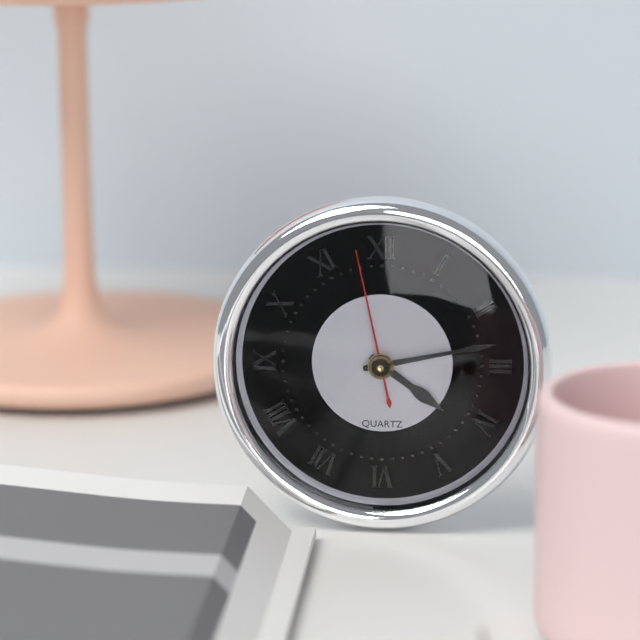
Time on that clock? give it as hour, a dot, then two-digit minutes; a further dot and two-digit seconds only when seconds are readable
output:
4.13.58
